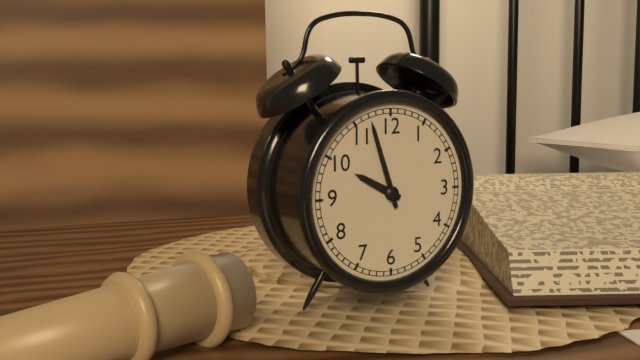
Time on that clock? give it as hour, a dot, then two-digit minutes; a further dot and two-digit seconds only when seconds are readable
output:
9.57
